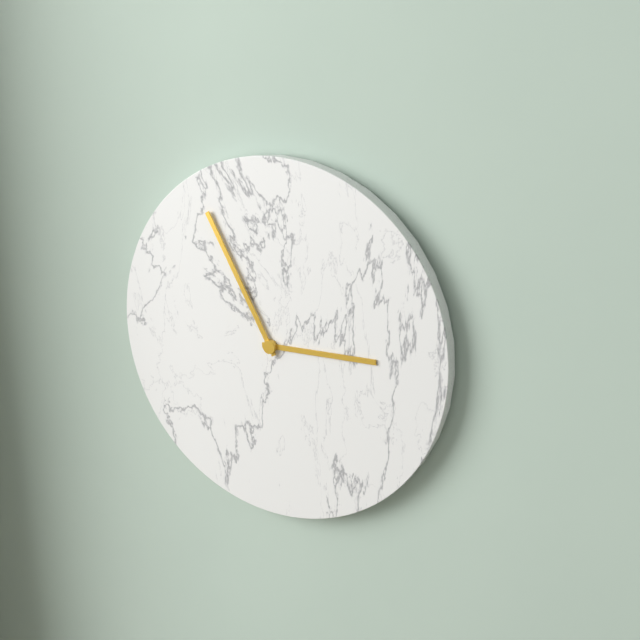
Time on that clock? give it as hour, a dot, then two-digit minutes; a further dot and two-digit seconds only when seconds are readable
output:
2.55
